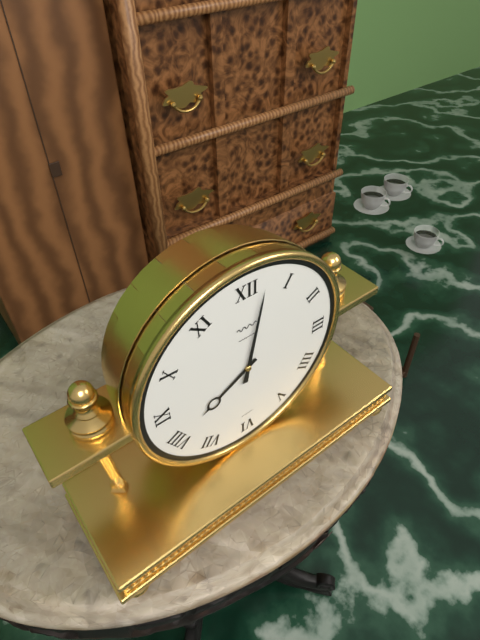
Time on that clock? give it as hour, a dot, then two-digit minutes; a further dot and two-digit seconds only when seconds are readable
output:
8.02
